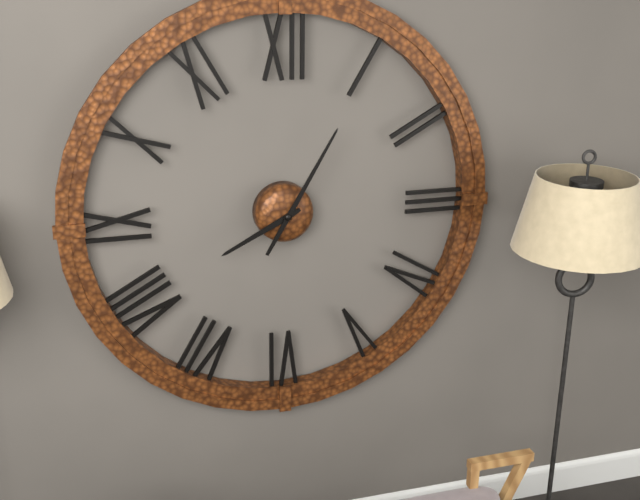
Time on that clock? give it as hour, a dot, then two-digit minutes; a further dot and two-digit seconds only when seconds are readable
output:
8.05
